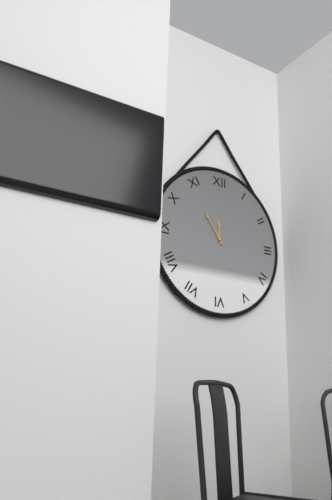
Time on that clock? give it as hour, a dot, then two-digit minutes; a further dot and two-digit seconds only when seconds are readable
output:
11.54
